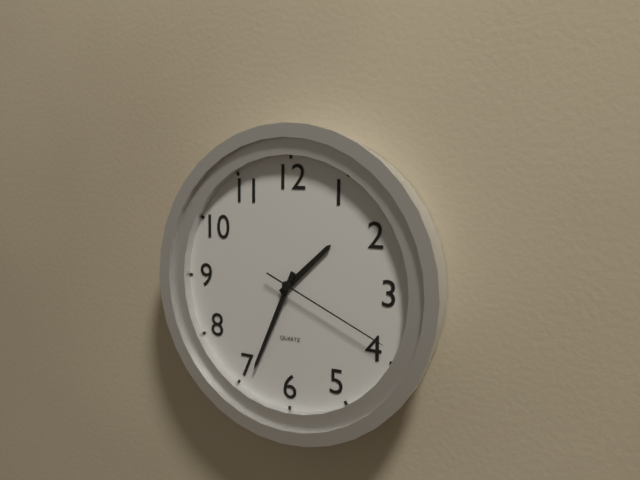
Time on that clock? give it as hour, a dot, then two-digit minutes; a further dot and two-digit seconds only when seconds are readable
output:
1.34.19
